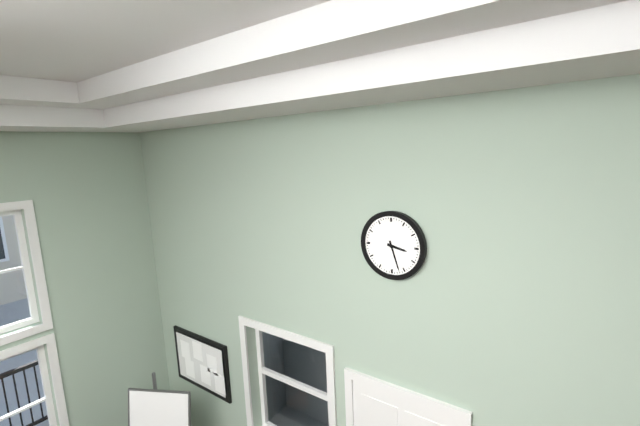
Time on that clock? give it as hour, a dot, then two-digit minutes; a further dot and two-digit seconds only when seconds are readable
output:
3.27
